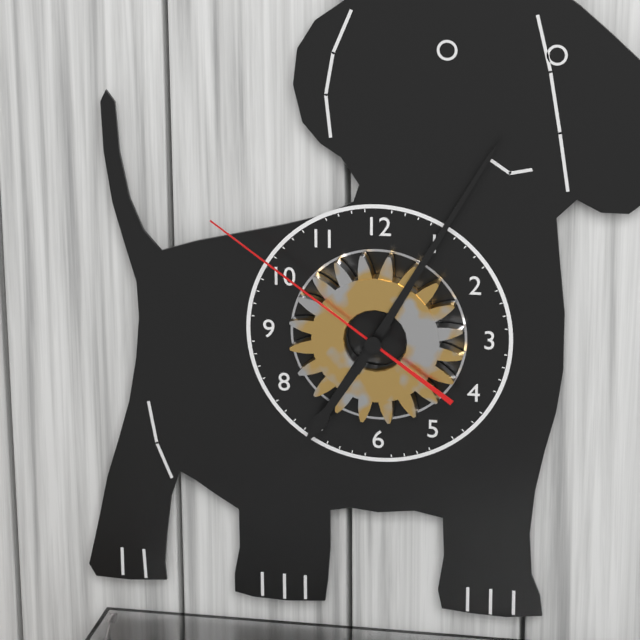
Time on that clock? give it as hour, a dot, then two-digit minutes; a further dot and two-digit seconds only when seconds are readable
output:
7.05.51
